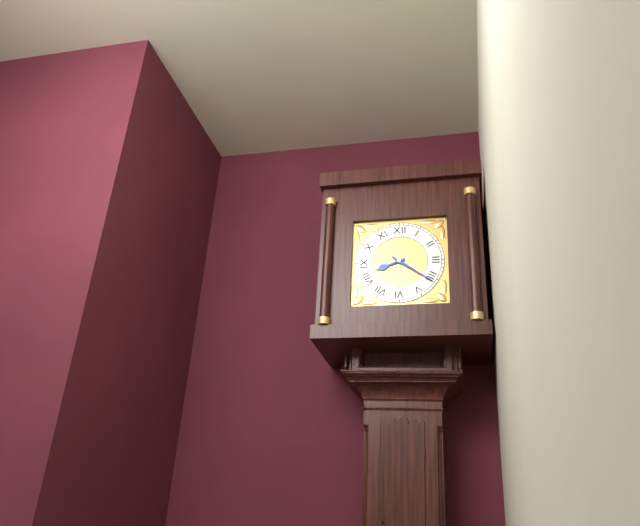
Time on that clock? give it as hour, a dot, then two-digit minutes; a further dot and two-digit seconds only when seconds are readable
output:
8.21
